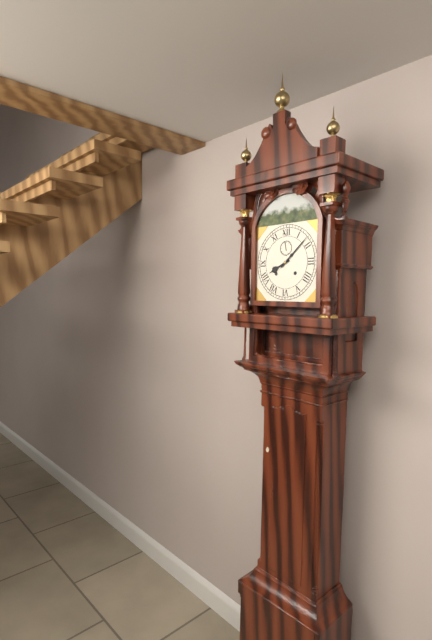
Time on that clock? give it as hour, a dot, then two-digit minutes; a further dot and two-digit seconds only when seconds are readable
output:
8.08
